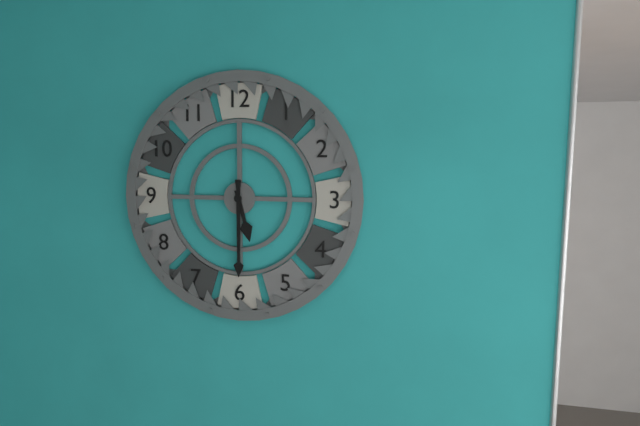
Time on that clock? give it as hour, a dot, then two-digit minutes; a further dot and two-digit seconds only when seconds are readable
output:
5.30
